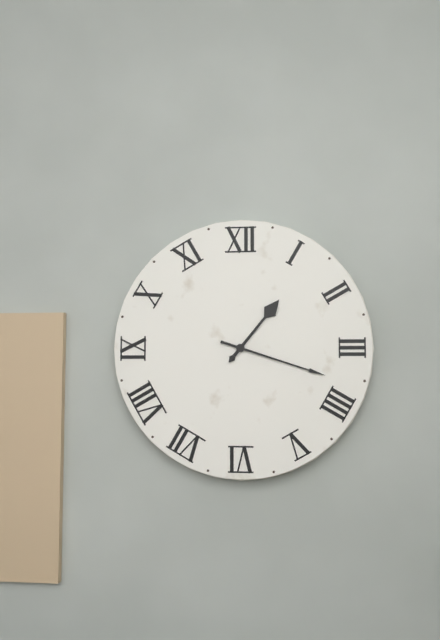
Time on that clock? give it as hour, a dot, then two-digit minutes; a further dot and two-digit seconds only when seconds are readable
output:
1.18
